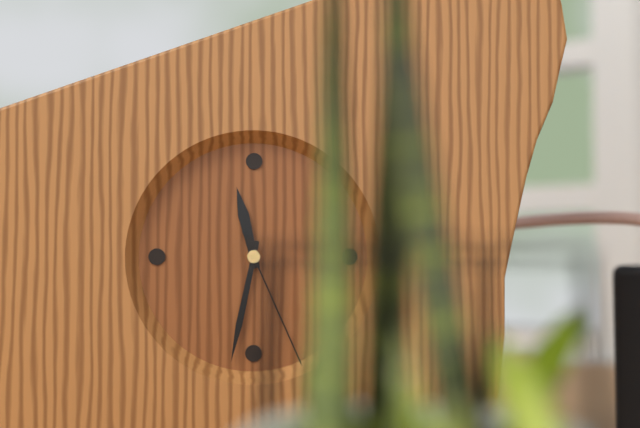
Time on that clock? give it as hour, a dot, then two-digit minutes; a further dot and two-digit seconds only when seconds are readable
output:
11.32.26
